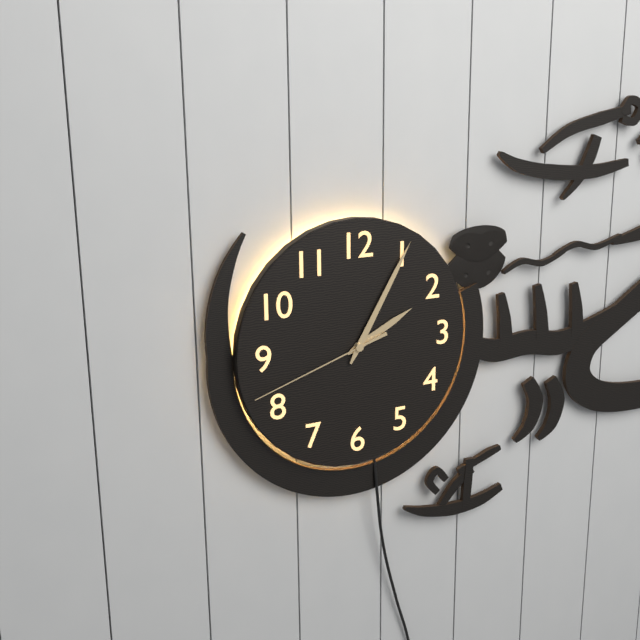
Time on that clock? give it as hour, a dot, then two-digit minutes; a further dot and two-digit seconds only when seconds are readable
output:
2.05.42
